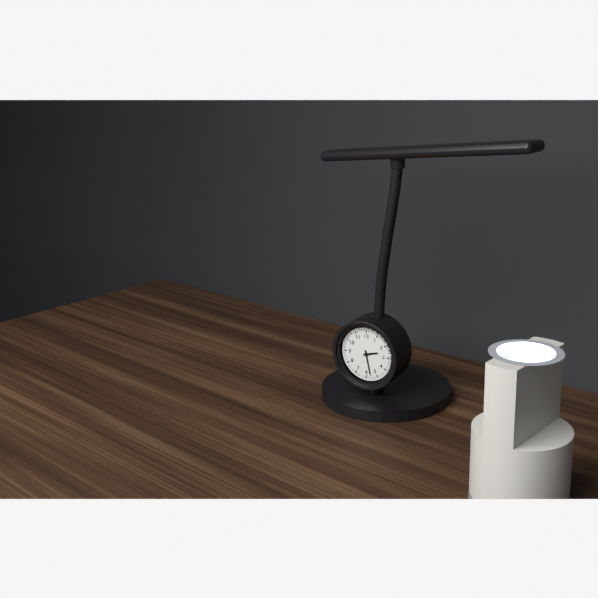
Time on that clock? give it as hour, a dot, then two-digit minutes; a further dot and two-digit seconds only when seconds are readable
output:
2.28
